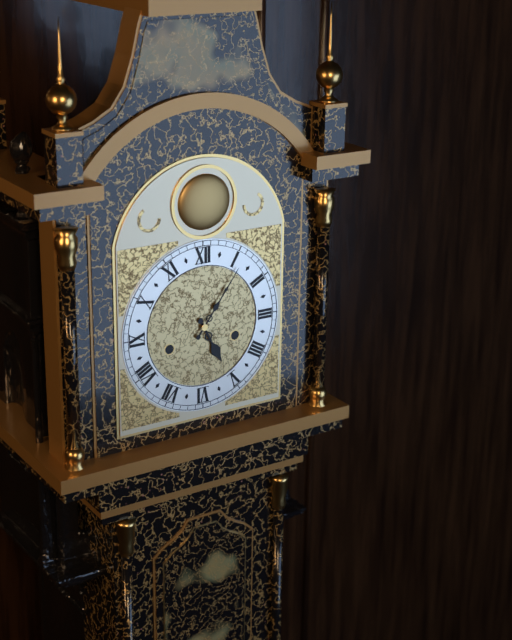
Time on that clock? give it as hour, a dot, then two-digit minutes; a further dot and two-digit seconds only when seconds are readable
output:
5.06
